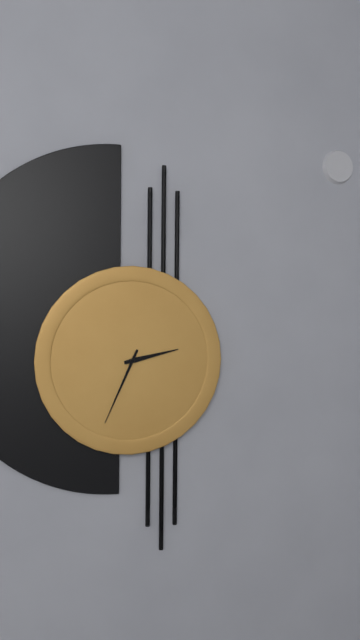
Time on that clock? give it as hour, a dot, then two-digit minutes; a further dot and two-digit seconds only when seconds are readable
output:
2.34
